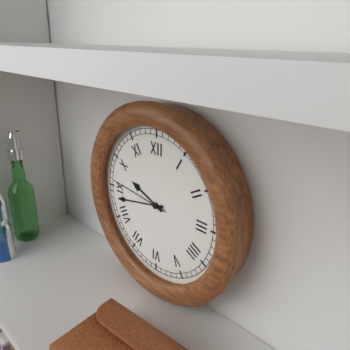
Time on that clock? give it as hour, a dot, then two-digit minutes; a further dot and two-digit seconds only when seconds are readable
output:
9.43.46
